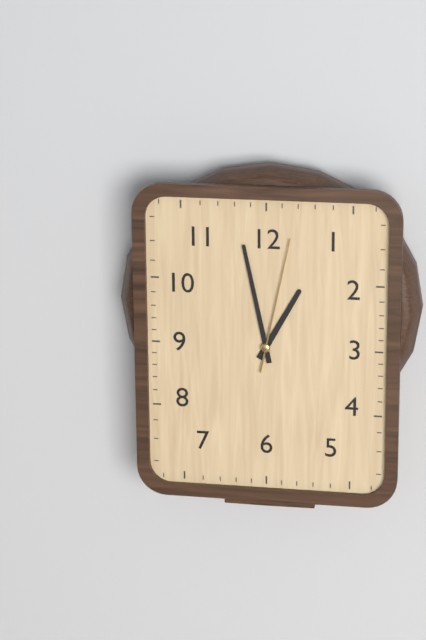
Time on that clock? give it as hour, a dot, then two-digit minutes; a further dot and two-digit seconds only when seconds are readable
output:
12.58.02
